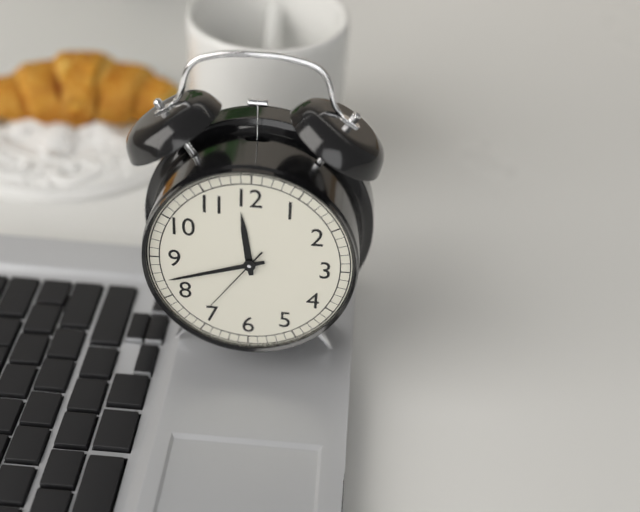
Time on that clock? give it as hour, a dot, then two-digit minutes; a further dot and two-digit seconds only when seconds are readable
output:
11.42.36
